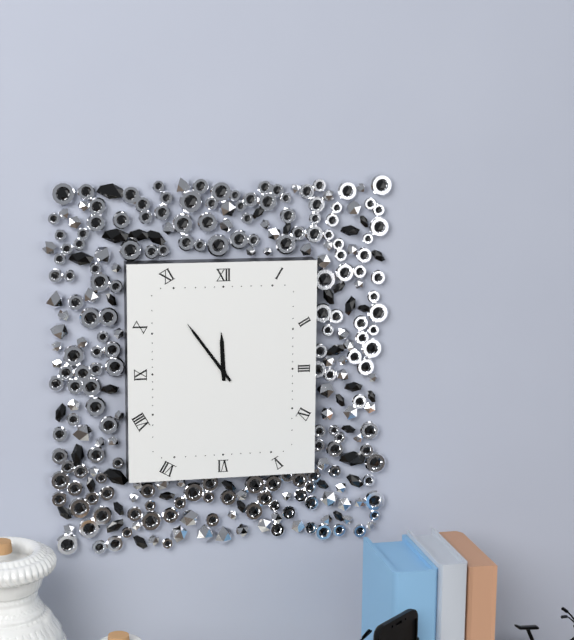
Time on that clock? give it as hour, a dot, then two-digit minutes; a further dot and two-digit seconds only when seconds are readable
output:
11.54
